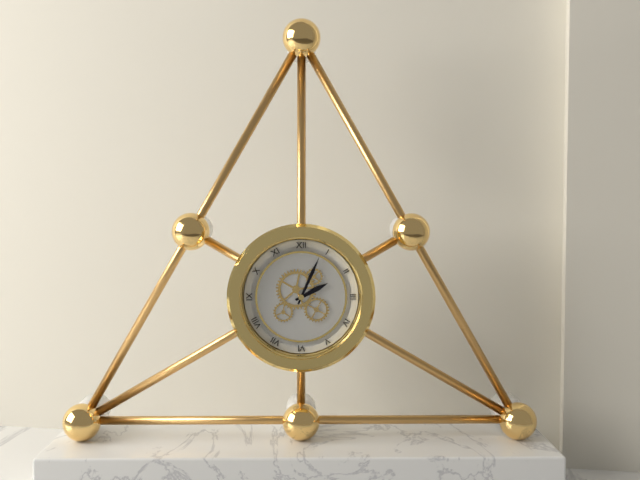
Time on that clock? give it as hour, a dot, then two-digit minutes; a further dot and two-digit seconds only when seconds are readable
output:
2.04
